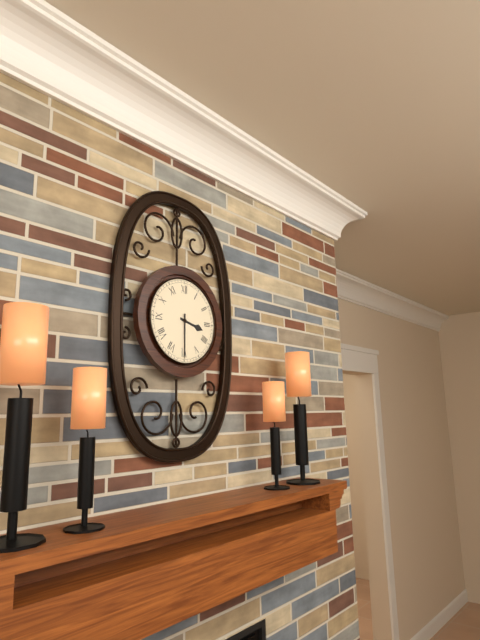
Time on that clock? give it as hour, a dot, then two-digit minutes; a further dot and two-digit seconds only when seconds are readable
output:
3.30
